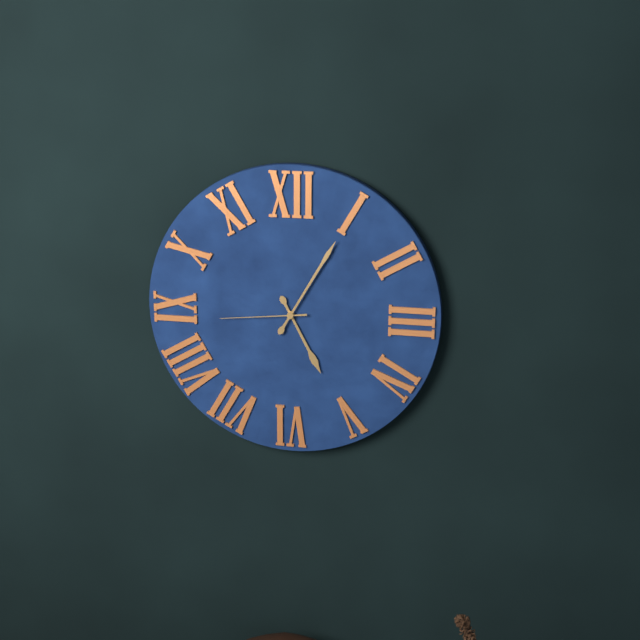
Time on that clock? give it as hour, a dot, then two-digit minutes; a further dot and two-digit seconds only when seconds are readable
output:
5.05.44
